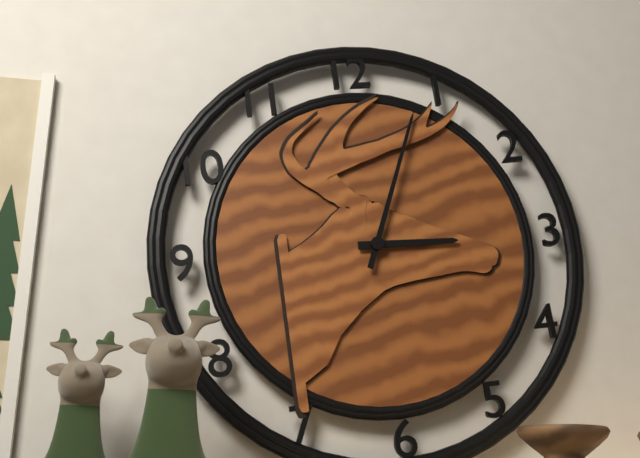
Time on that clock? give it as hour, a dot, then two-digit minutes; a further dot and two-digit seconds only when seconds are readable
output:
3.04
